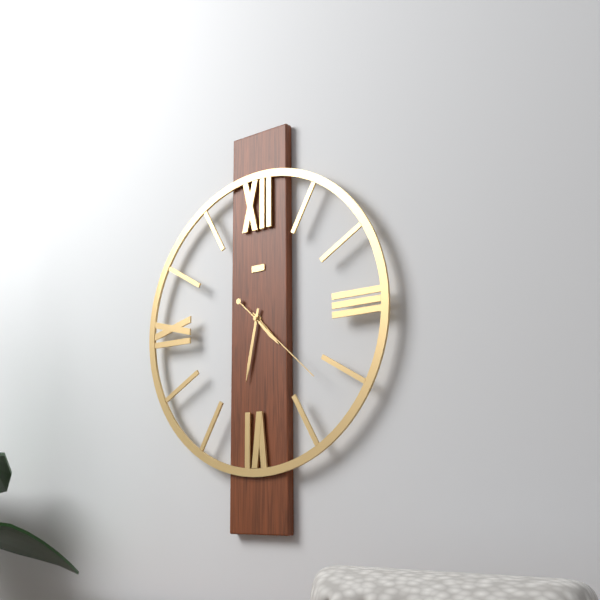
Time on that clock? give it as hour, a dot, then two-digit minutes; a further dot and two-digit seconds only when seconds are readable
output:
4.32.22
